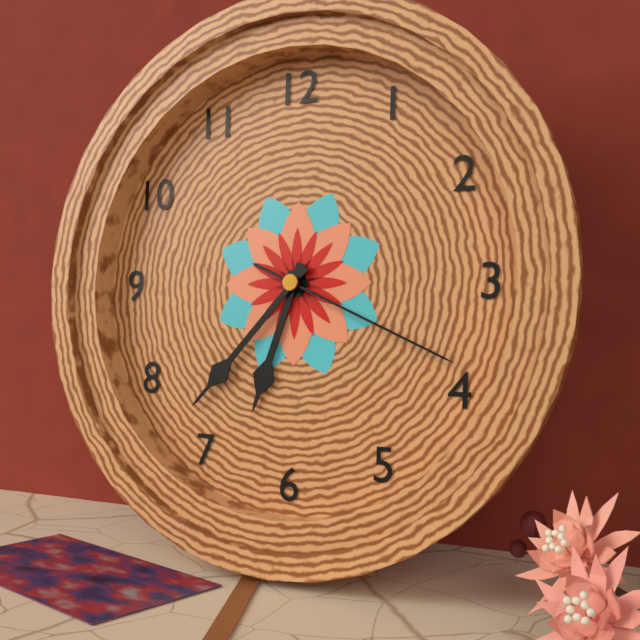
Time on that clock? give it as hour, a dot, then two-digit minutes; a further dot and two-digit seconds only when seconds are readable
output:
6.37.19
